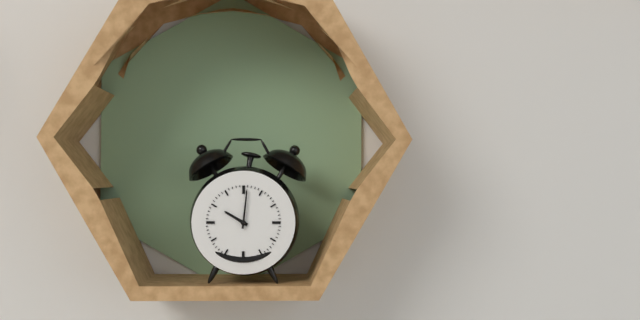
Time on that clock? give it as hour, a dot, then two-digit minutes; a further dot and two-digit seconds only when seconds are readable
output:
10.01
